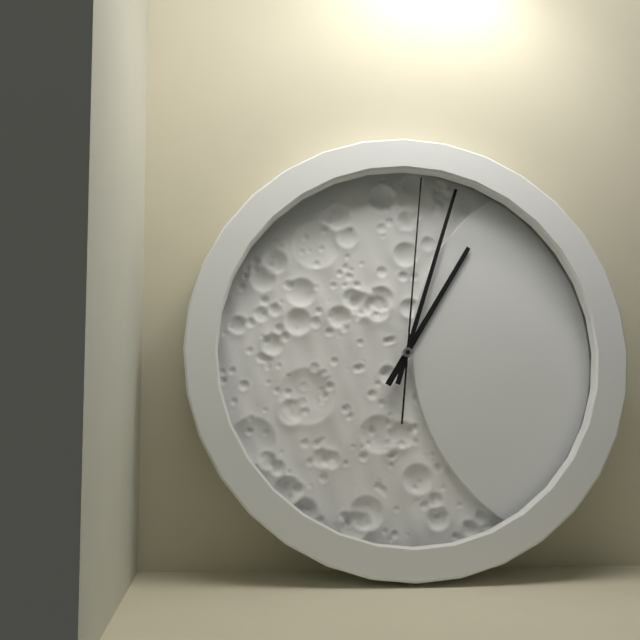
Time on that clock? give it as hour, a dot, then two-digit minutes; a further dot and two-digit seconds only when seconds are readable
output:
1.03.01
